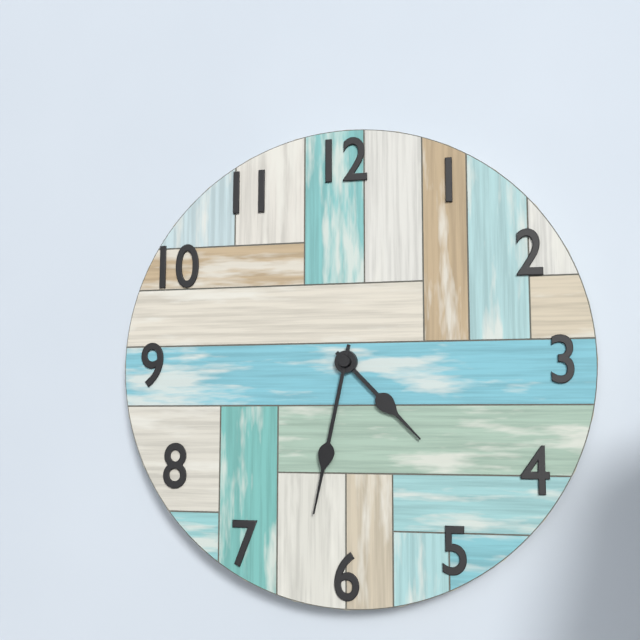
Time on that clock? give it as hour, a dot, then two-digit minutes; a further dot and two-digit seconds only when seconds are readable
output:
4.32
